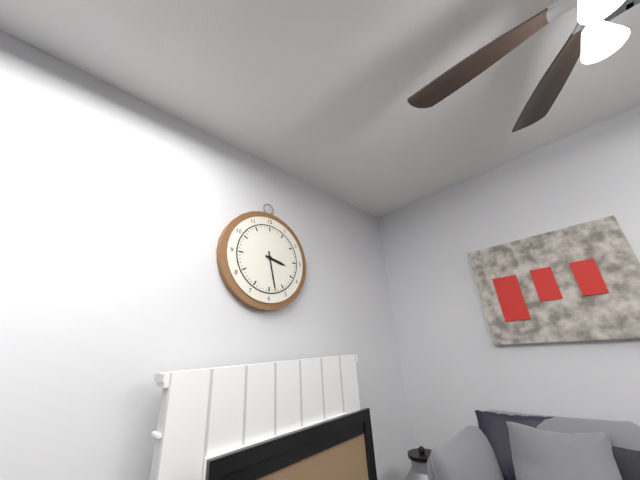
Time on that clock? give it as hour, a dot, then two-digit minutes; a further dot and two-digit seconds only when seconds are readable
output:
3.28
